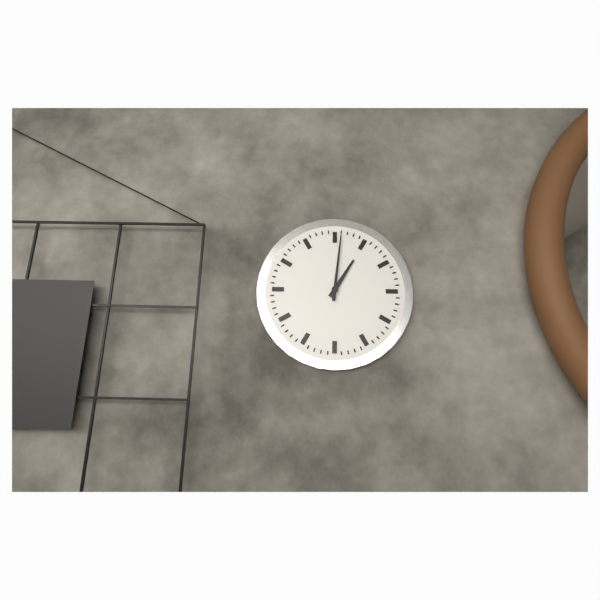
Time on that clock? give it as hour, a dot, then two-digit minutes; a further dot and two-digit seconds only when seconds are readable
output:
1.01
